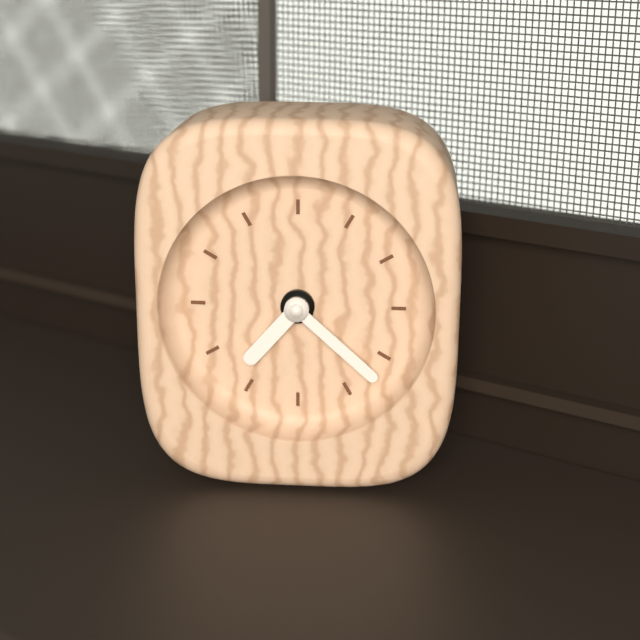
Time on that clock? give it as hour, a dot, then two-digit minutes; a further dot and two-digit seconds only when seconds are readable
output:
7.22
